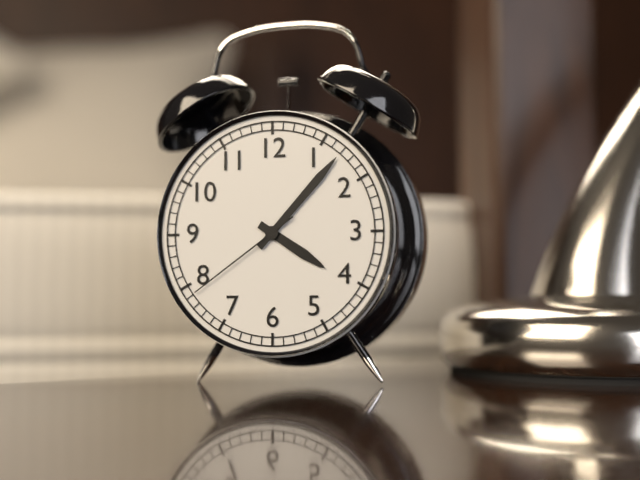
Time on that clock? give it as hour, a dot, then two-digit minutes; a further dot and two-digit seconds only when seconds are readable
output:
4.07.39
